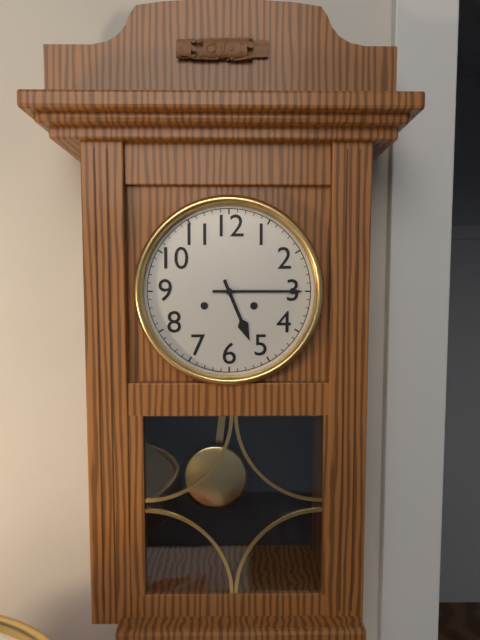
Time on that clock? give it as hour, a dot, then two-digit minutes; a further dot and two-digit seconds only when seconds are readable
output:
5.15
